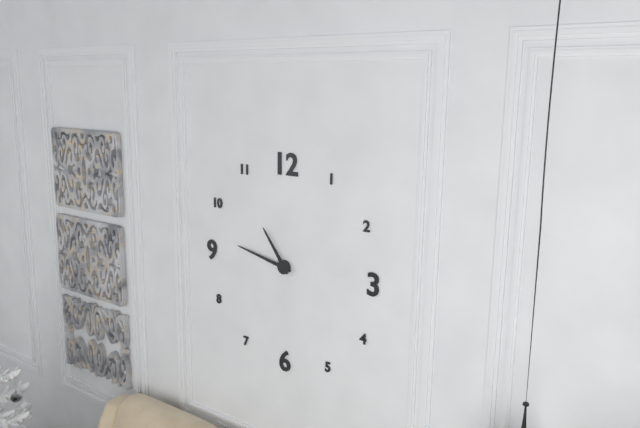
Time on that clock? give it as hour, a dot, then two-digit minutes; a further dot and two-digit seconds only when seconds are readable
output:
10.47
